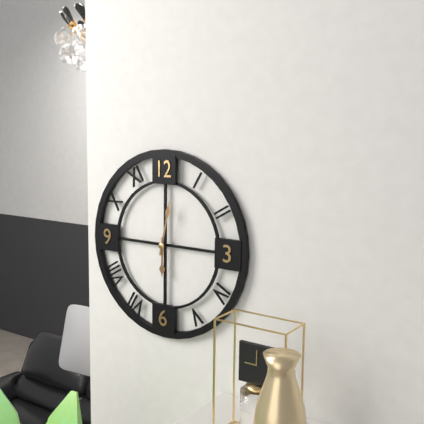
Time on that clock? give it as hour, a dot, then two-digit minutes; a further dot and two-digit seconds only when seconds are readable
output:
6.02
